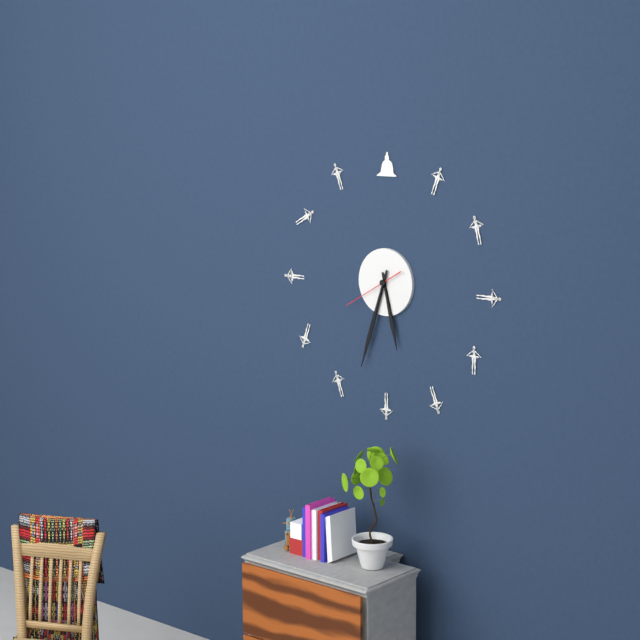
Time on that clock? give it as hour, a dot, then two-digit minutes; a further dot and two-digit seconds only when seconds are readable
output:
5.33.40
